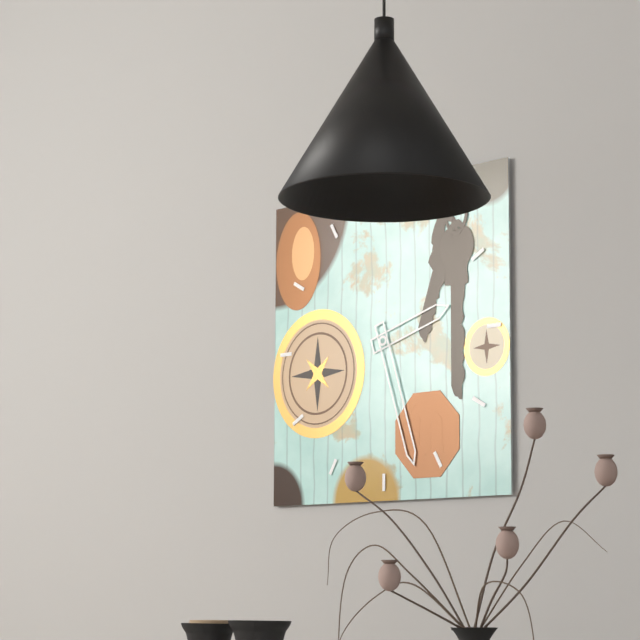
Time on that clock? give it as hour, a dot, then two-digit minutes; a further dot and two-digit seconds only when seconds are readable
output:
2.27
